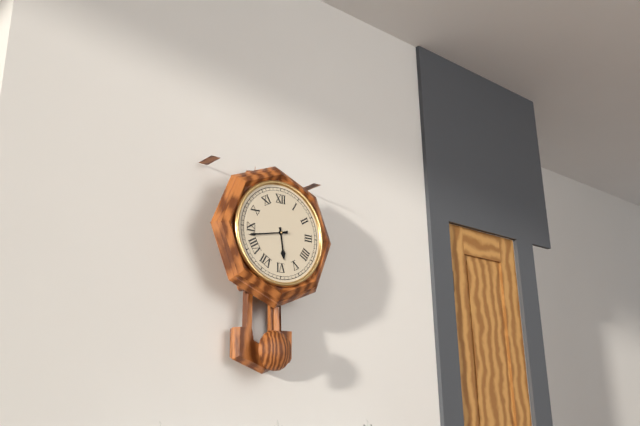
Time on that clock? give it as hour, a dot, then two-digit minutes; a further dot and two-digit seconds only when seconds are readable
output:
5.43
